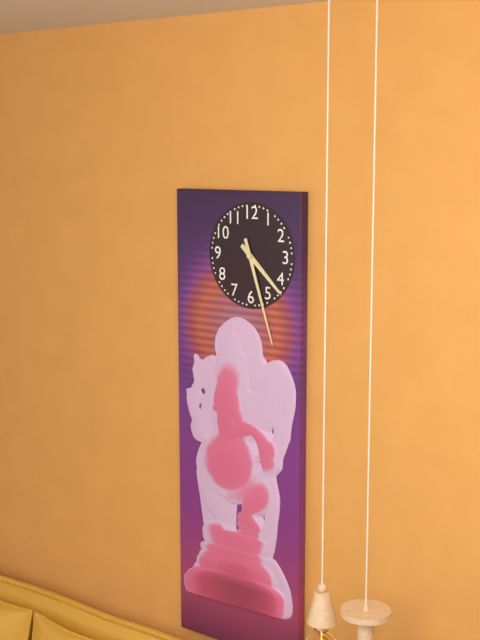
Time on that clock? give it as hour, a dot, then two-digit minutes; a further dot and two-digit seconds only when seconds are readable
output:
4.27
